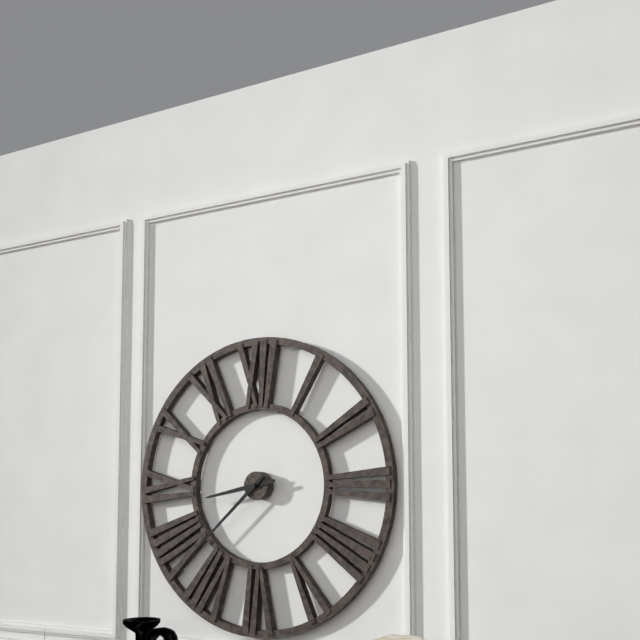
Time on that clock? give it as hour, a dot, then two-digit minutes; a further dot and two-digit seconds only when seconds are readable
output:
8.38
